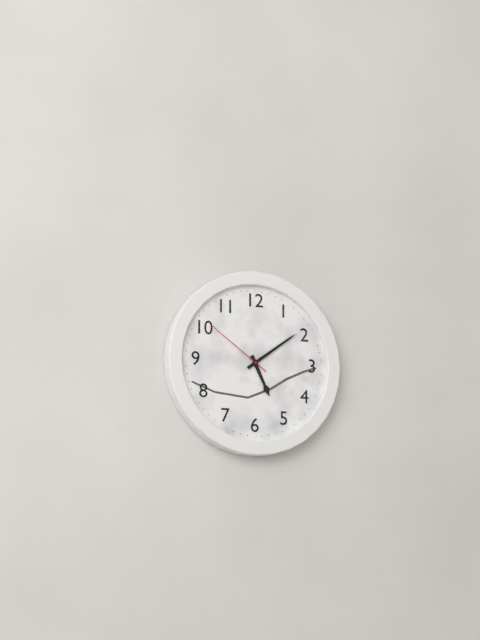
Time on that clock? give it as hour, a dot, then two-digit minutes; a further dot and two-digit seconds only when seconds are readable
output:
5.09.51
